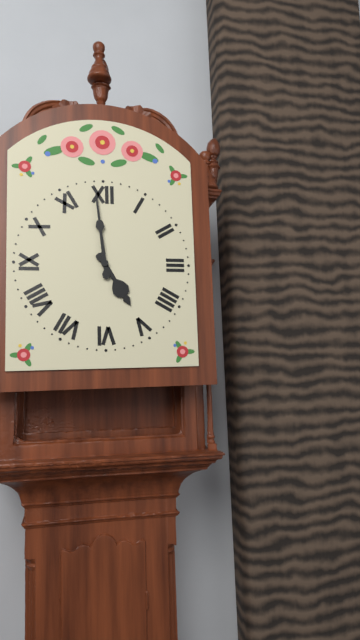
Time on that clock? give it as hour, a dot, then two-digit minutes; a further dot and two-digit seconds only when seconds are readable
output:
4.59
